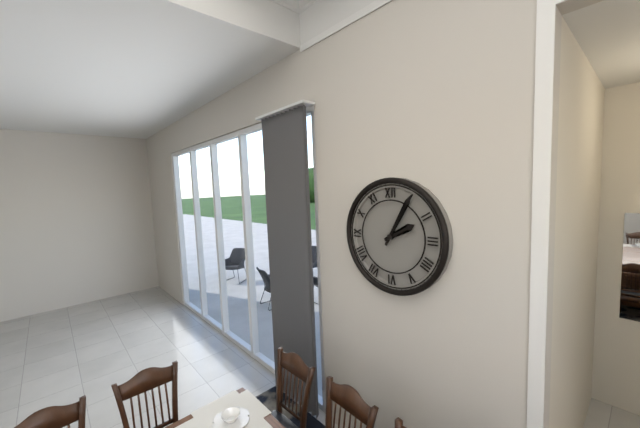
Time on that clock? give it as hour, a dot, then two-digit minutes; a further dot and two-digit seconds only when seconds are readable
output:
2.05
